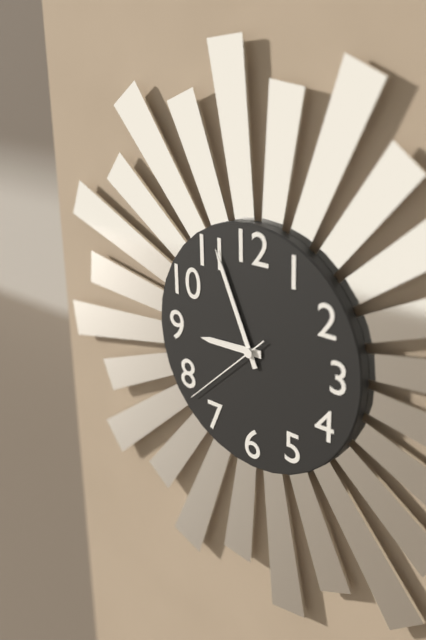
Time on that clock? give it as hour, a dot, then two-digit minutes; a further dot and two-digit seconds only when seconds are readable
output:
8.56.38
